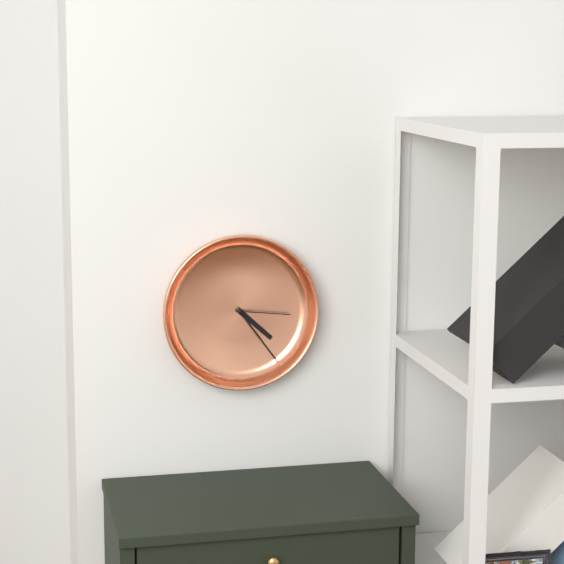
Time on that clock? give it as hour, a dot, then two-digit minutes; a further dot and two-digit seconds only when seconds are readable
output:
4.24.16
